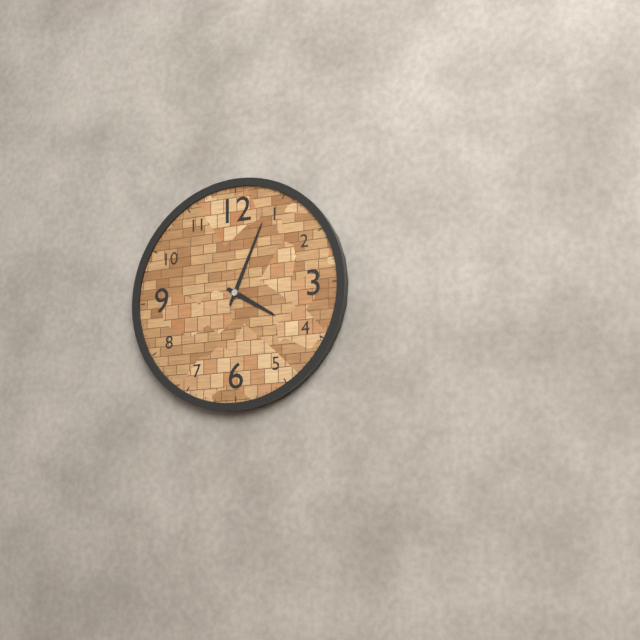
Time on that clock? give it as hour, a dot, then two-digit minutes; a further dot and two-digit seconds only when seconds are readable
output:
4.04
